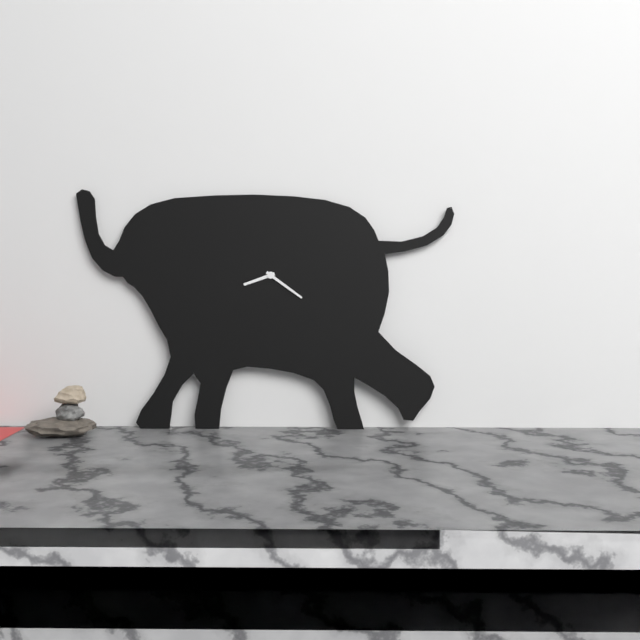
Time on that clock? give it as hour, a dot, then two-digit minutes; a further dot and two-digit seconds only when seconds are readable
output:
8.21
